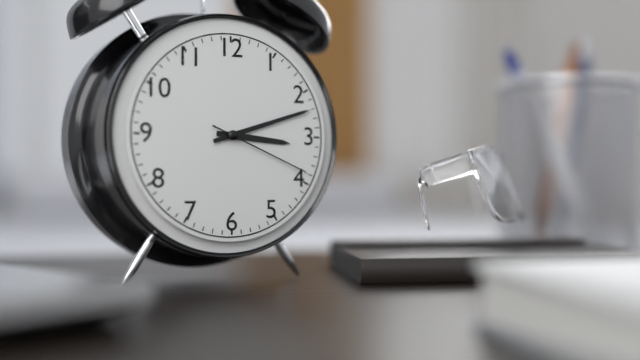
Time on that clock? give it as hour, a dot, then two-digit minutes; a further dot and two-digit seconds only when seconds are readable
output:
3.12.19
